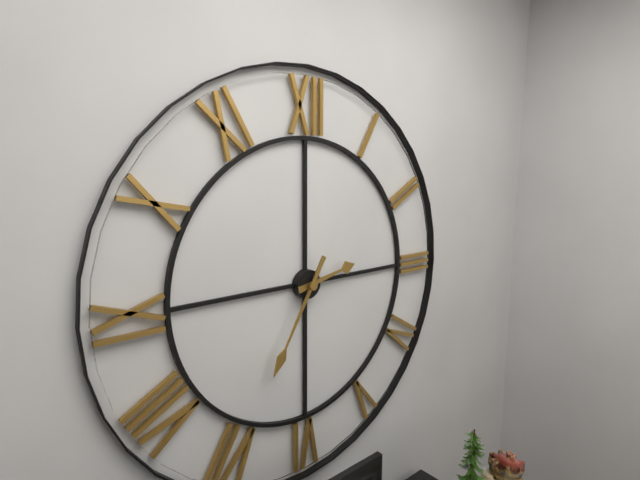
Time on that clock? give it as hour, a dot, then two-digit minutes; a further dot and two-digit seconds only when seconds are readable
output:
2.35
